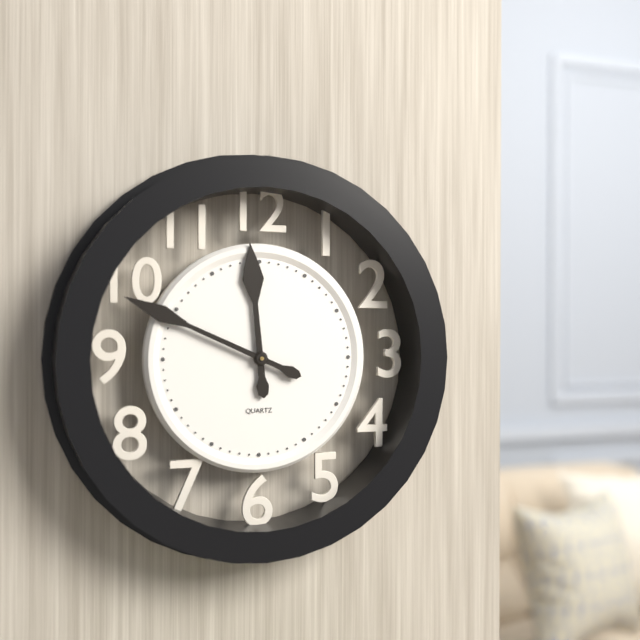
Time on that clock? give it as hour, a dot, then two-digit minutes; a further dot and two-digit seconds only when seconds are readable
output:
11.49
